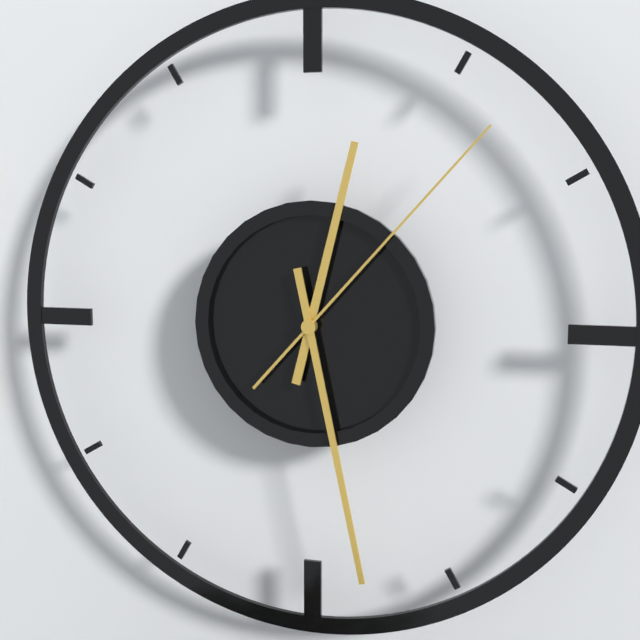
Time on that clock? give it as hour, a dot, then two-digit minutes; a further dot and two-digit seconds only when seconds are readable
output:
12.28.07
